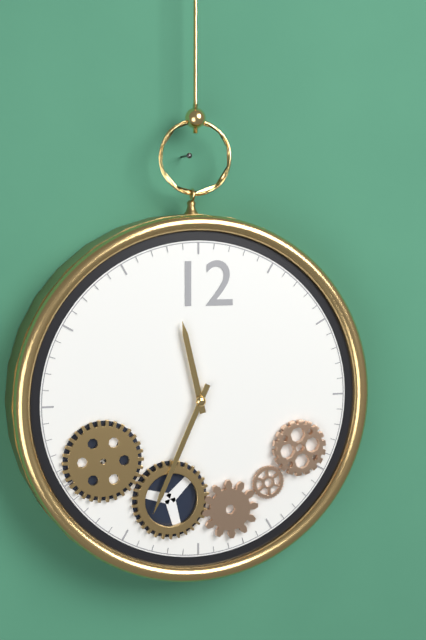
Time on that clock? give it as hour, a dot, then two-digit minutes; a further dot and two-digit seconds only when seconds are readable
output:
11.34
